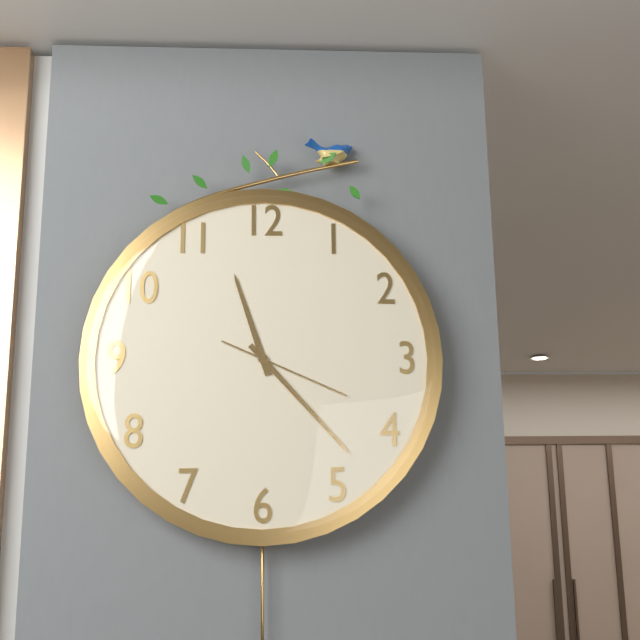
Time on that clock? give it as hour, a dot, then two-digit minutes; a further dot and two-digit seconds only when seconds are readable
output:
11.23.19
